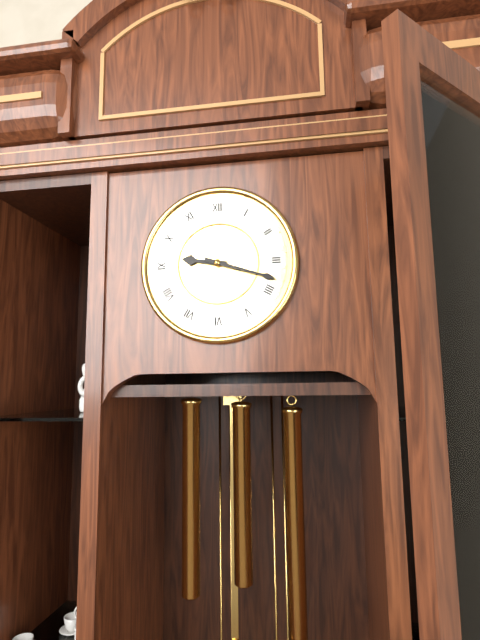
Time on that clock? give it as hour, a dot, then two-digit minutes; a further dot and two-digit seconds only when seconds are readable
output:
9.18
